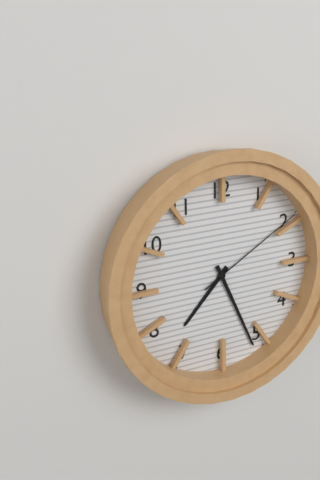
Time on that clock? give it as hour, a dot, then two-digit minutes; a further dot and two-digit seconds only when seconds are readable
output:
7.26.10
